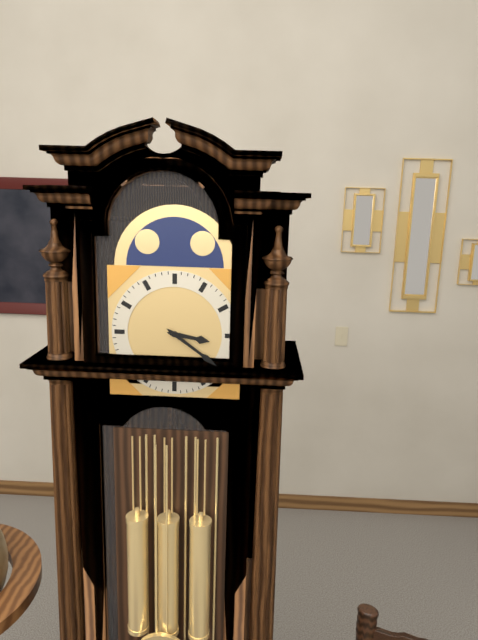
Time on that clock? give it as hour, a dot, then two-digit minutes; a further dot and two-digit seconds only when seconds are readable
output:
3.21
